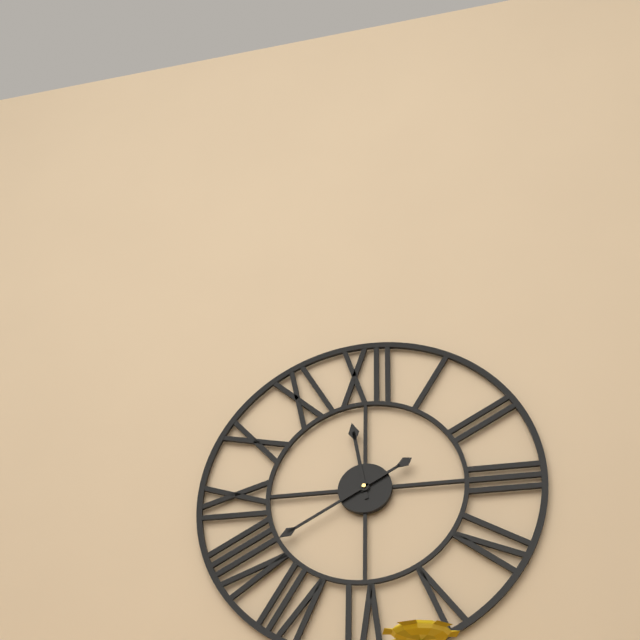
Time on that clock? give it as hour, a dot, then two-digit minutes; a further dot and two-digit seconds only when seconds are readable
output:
11.40
